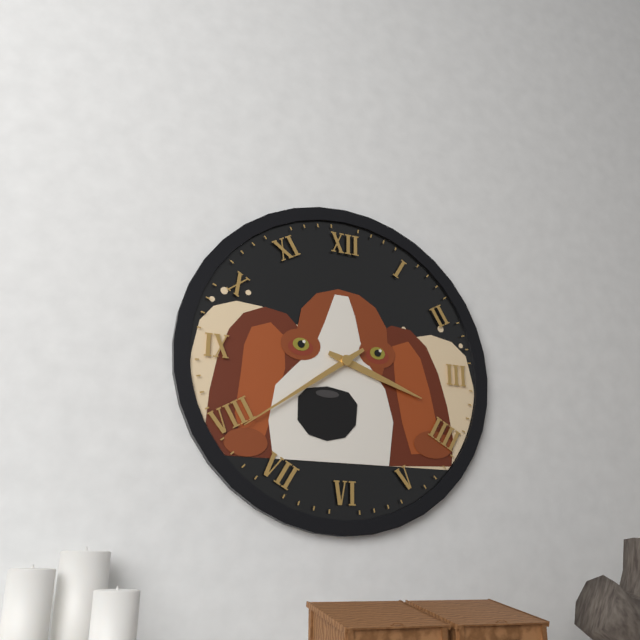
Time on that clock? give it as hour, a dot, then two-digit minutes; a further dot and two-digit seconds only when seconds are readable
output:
3.39
